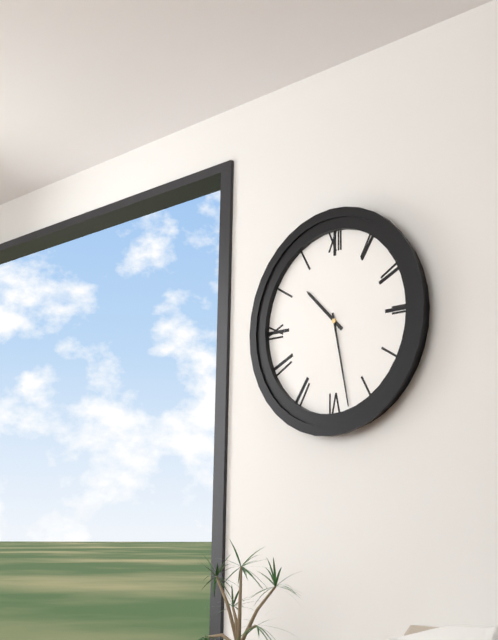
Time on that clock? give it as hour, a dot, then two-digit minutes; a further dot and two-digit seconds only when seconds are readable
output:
10.28
